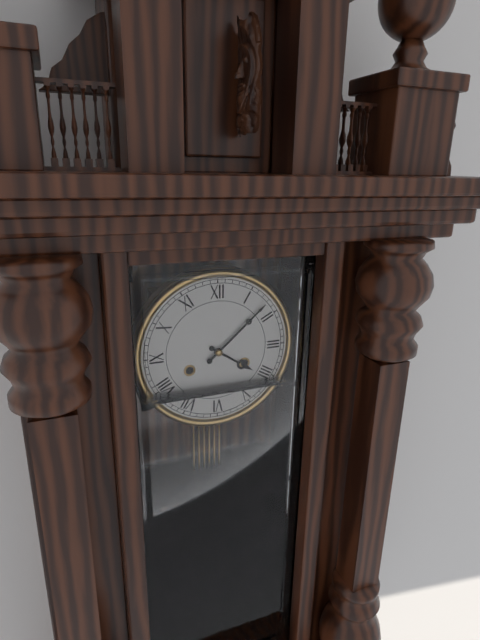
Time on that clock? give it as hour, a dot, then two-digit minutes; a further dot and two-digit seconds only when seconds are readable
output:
4.08
